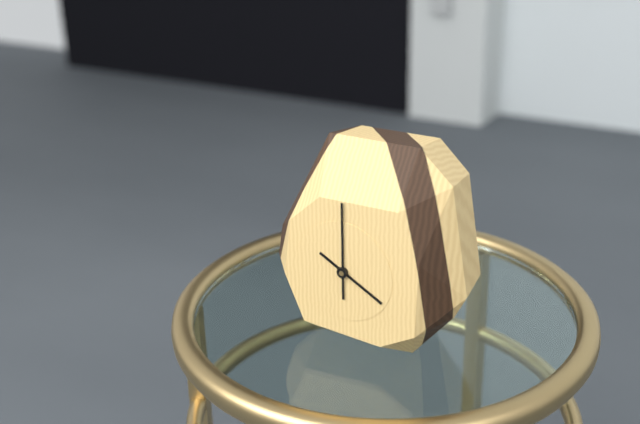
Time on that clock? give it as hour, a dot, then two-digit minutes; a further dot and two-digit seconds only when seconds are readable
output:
4.00
